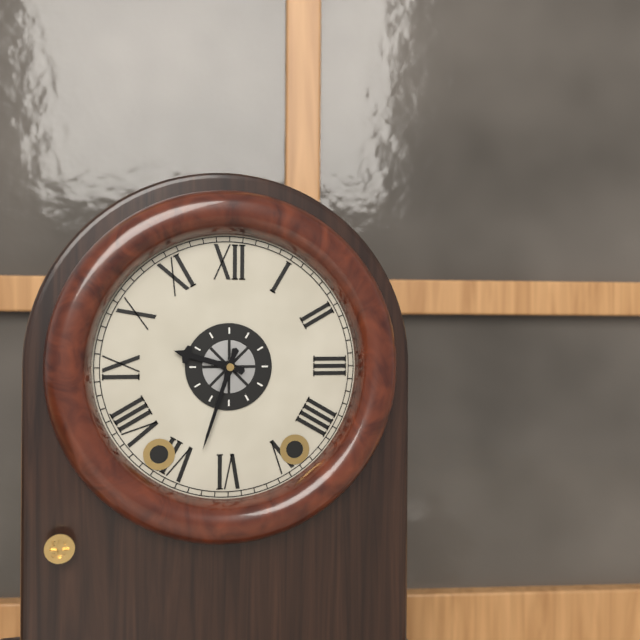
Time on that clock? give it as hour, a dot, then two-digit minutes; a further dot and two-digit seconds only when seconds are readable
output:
9.33
